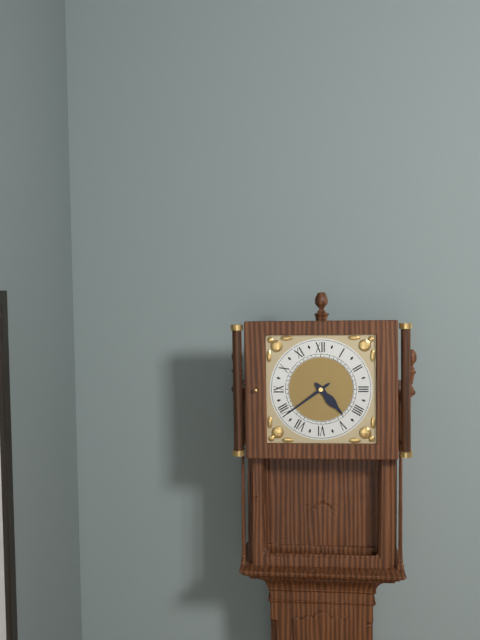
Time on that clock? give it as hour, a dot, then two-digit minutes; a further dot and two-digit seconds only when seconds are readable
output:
4.39
